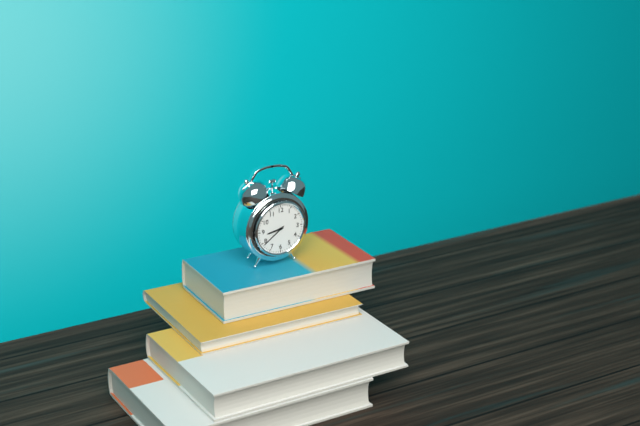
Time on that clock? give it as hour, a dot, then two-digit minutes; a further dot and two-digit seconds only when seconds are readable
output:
8.39
